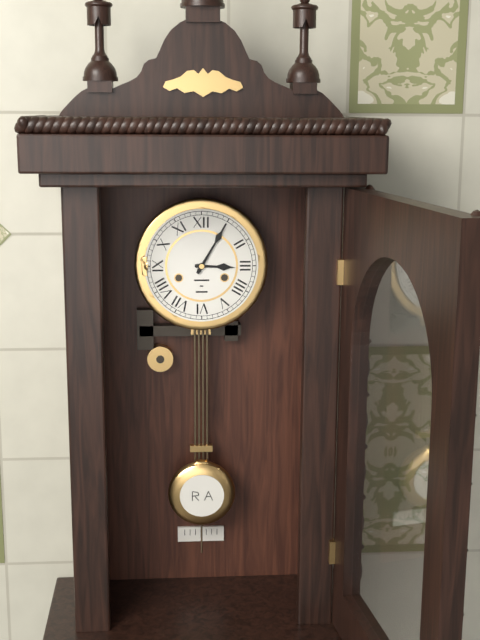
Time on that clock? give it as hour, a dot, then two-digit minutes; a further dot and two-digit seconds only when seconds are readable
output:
3.05
